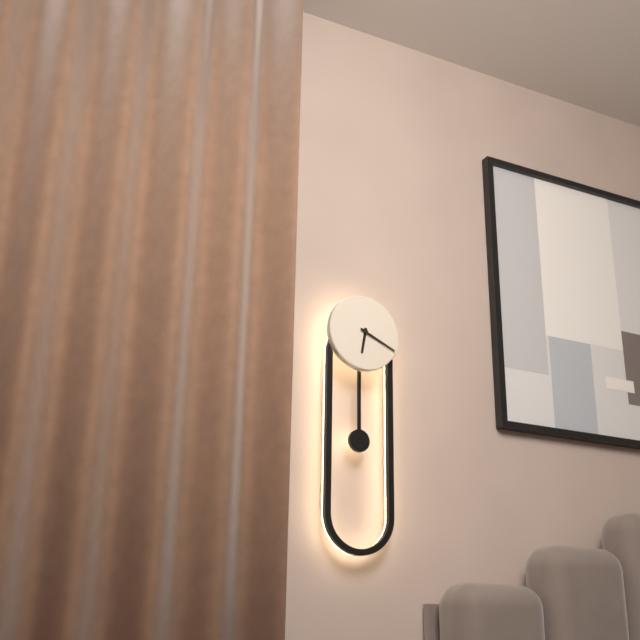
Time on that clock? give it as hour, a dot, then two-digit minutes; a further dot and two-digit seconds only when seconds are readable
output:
6.19
